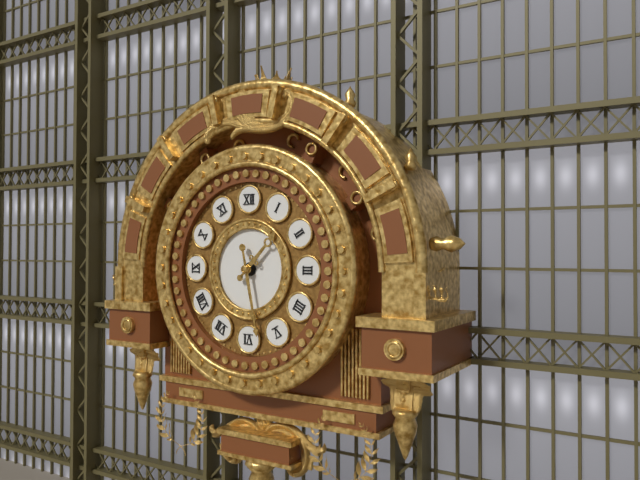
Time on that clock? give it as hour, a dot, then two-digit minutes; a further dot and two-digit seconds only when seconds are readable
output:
1.28
